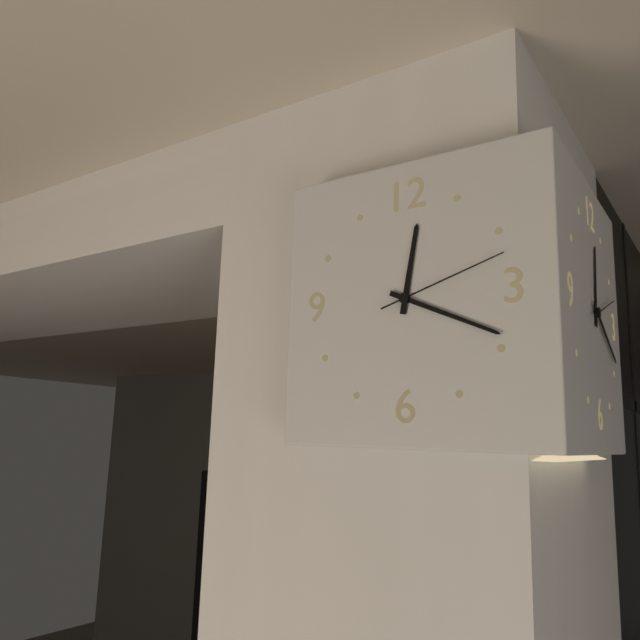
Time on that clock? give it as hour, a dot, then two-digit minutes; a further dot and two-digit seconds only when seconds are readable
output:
12.19.12
